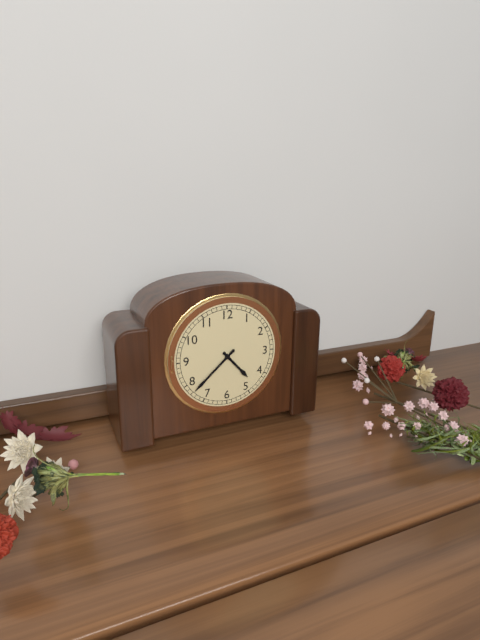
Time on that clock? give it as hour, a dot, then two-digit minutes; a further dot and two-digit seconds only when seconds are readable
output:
4.38
